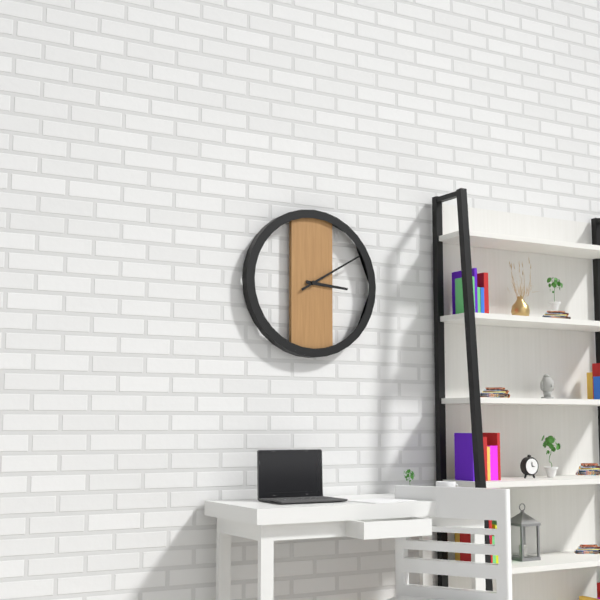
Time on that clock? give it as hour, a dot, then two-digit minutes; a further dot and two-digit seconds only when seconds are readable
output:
3.10
